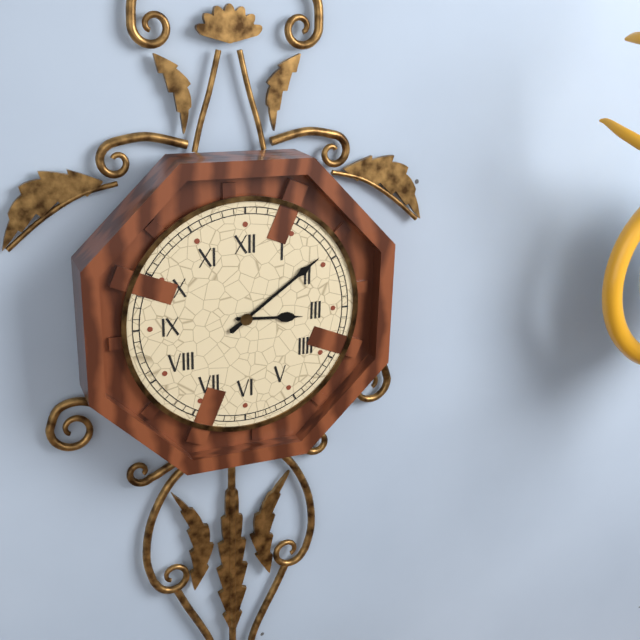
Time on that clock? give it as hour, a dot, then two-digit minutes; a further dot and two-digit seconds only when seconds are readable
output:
3.09
